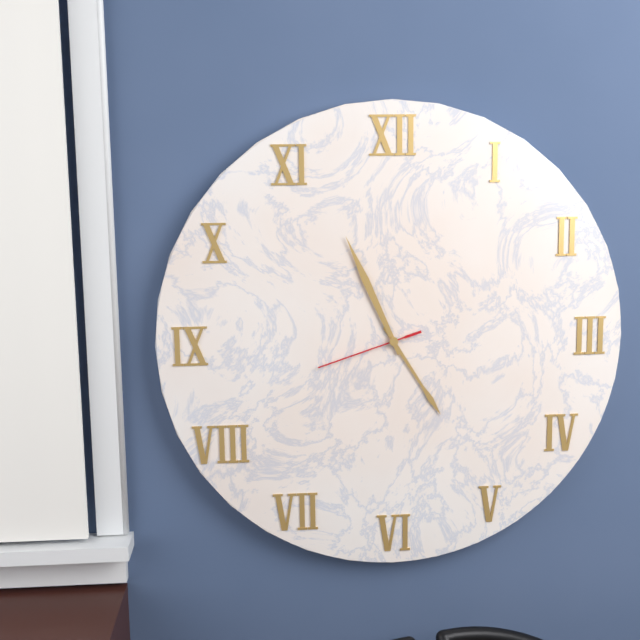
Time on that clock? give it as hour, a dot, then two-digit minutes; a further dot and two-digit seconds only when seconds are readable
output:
4.56.42
